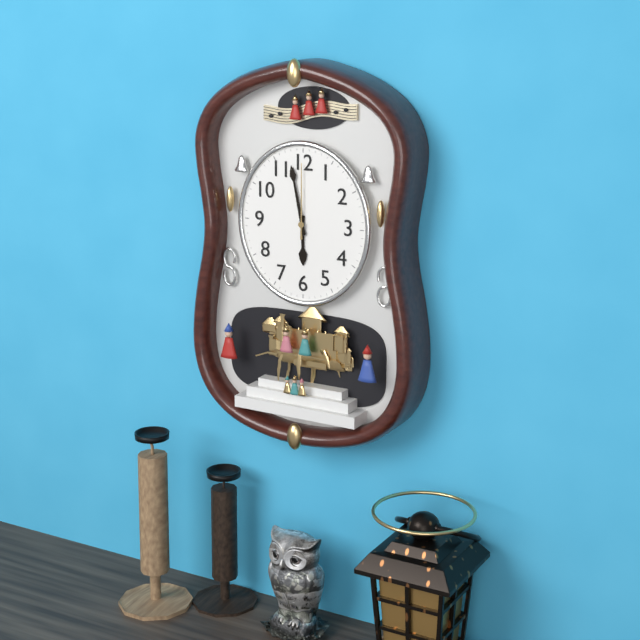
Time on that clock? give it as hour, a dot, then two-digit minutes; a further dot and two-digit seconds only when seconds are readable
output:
5.58.00
